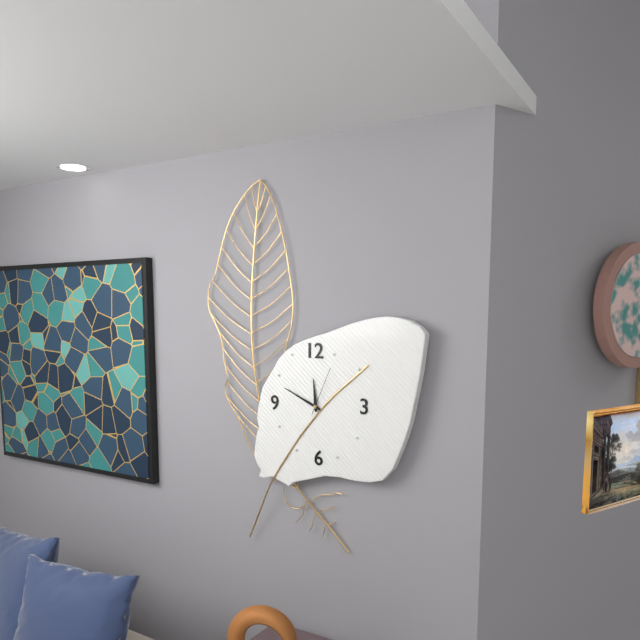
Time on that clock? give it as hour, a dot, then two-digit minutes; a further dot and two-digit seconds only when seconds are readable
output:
11.49.04
